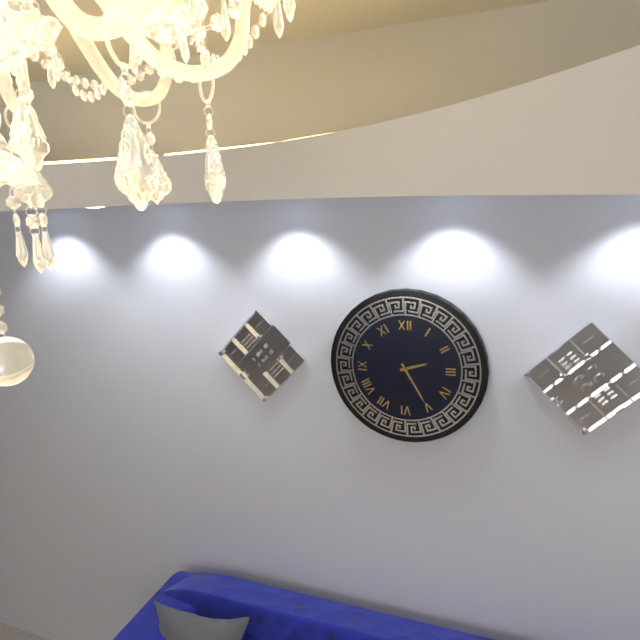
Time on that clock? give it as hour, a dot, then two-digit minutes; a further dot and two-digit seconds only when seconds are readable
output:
2.25
